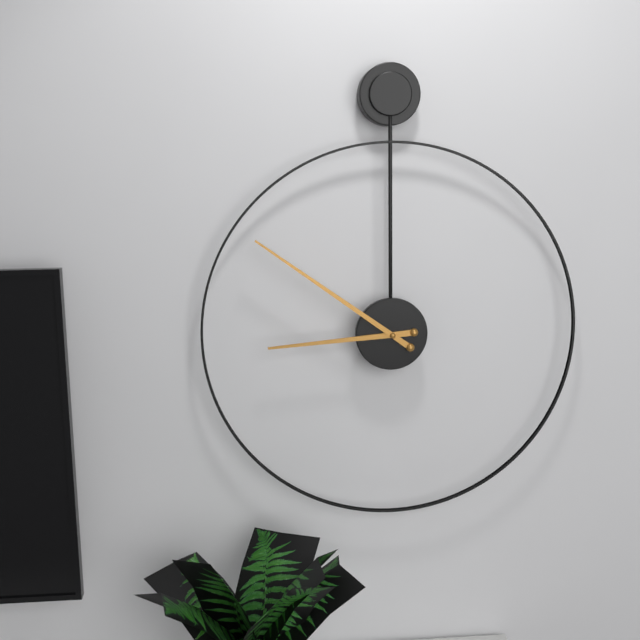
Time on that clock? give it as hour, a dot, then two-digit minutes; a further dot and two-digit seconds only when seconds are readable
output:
8.51
